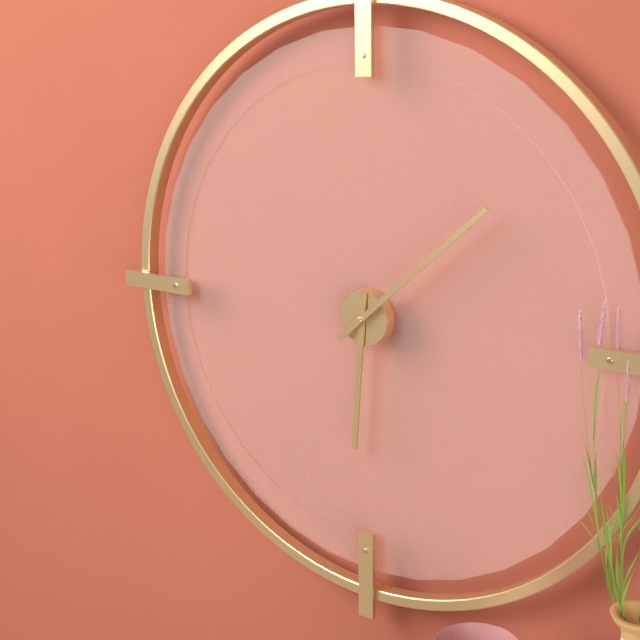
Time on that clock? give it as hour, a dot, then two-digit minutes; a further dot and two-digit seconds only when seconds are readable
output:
6.08
